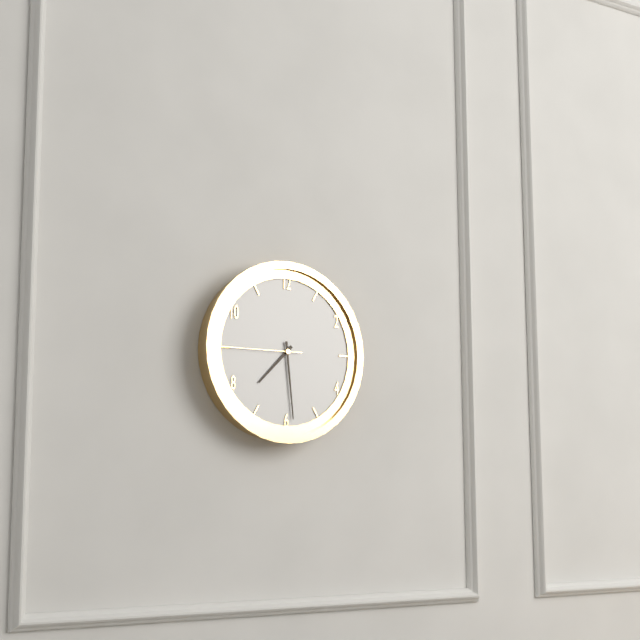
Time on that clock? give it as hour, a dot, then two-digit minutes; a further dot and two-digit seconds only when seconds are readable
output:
7.29.45
